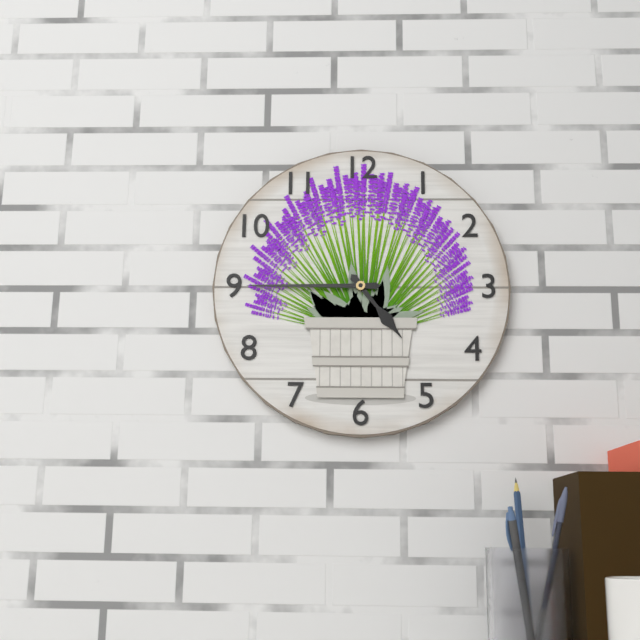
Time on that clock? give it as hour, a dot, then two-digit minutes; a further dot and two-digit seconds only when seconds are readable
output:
4.45
